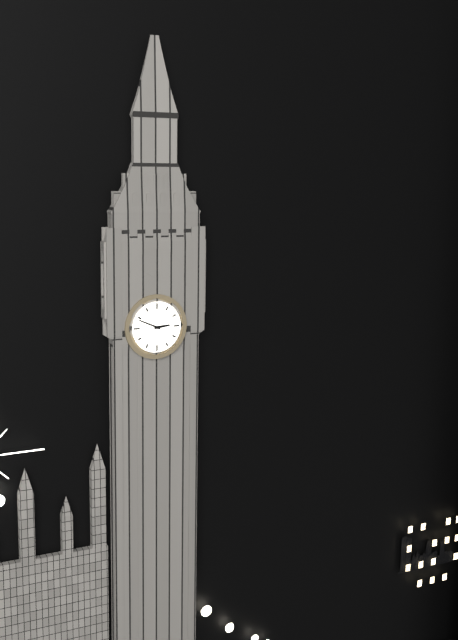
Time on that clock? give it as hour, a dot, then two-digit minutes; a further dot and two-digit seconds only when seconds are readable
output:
2.49
